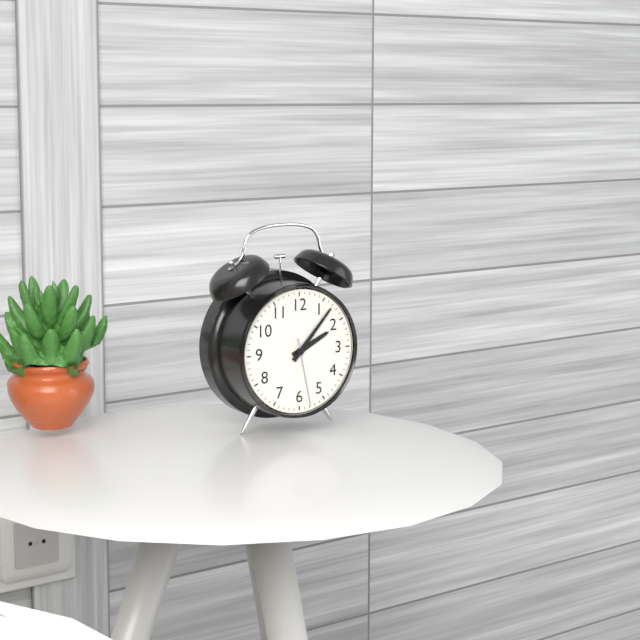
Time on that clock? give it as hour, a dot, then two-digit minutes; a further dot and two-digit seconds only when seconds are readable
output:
2.07.28
